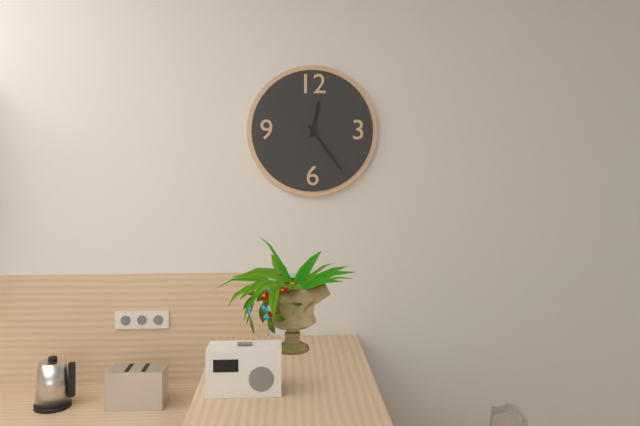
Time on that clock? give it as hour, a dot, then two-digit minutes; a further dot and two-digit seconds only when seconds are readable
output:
12.24
